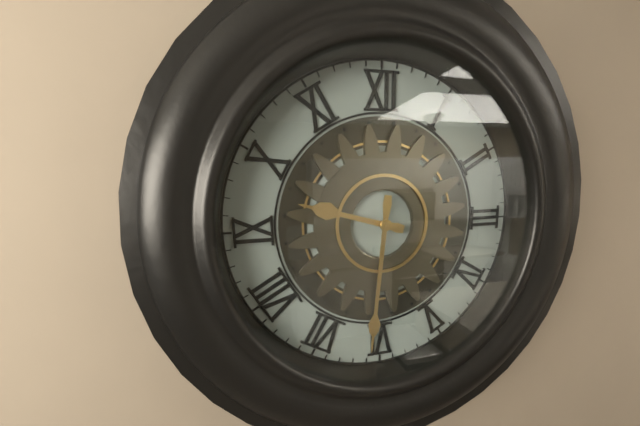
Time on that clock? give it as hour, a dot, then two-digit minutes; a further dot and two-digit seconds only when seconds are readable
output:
9.31
